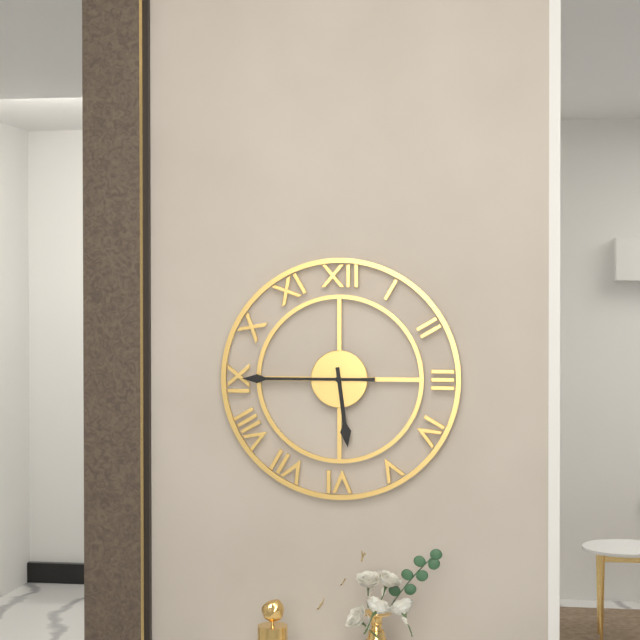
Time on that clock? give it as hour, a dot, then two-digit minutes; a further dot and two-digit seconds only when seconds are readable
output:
5.45
